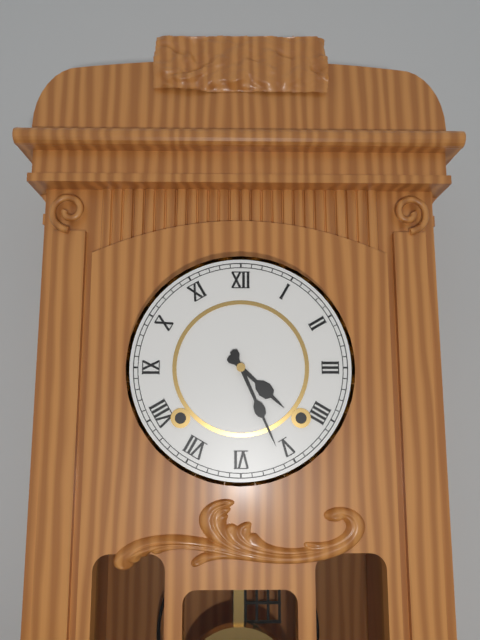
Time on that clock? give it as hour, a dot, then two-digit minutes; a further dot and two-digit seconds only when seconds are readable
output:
4.26
